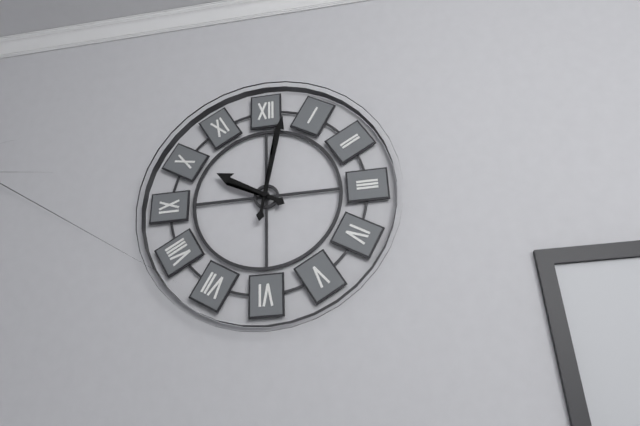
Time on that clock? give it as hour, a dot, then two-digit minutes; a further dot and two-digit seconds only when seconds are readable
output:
10.02
